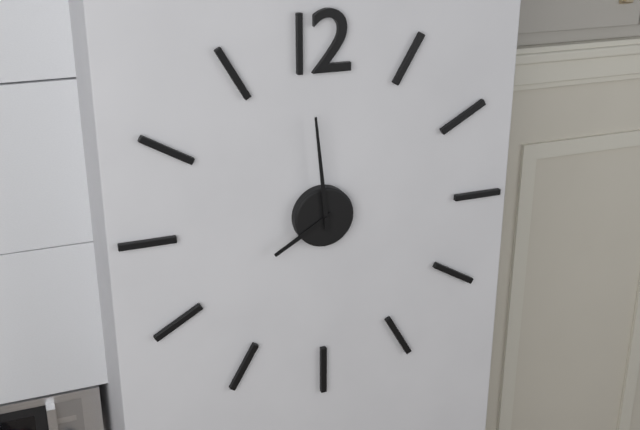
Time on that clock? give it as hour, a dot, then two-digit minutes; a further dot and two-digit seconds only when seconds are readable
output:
7.59
